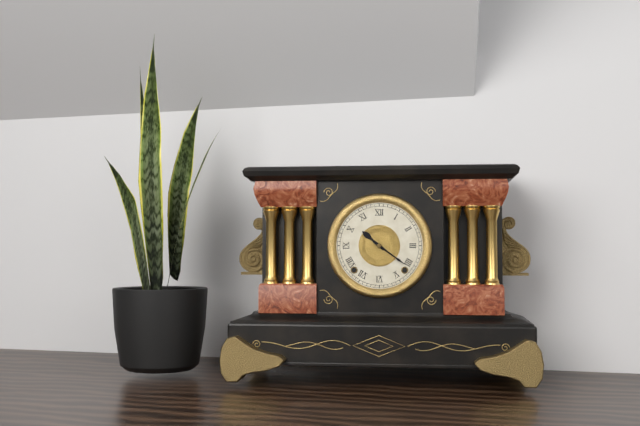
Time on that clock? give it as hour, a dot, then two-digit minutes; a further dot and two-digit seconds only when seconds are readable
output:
10.21
